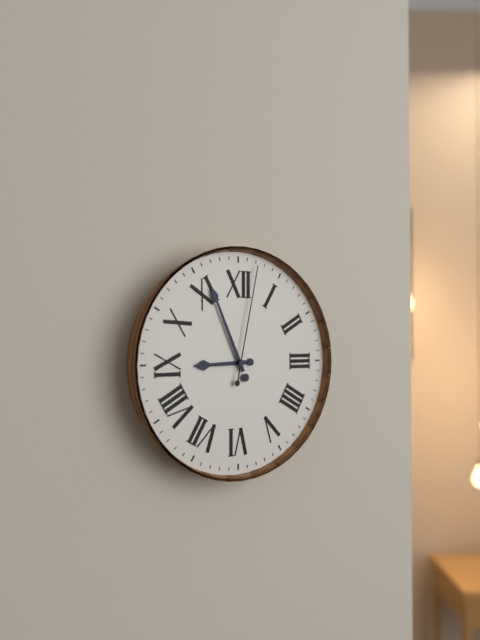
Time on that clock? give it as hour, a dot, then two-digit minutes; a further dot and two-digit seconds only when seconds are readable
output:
8.56.02
